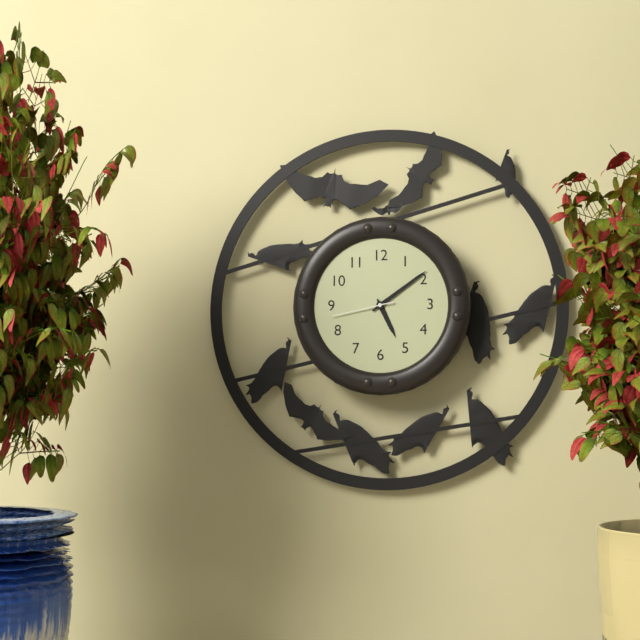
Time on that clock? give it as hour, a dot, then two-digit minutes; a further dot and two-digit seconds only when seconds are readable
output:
5.09.43
